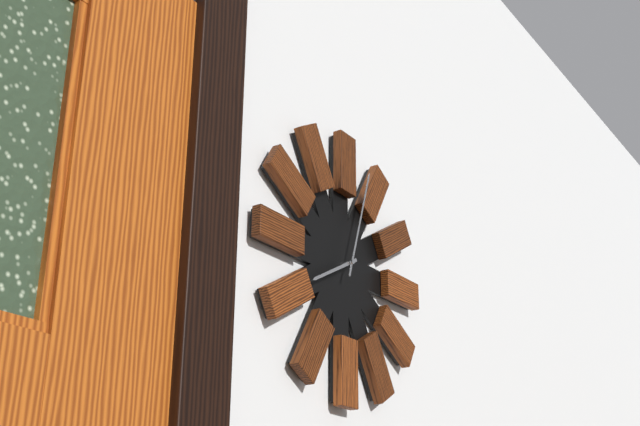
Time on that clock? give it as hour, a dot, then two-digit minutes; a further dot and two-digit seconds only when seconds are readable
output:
8.03
